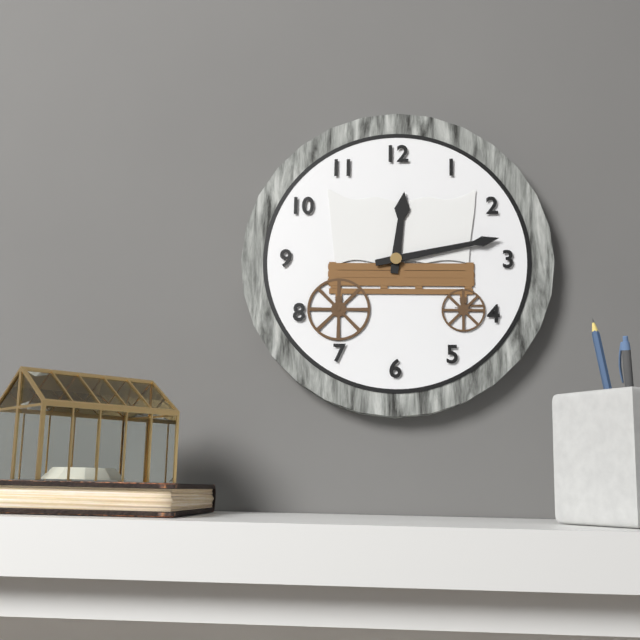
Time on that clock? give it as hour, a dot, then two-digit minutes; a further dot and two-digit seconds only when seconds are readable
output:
12.13
